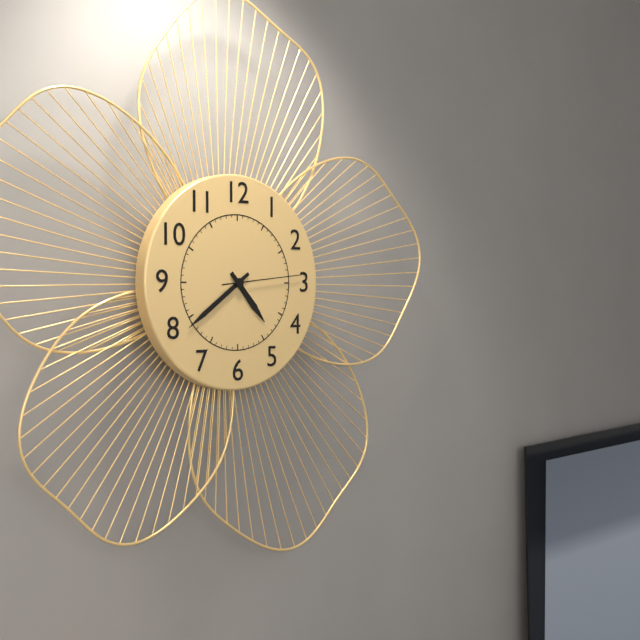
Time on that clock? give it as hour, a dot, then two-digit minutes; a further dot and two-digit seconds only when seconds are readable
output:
4.39.14
